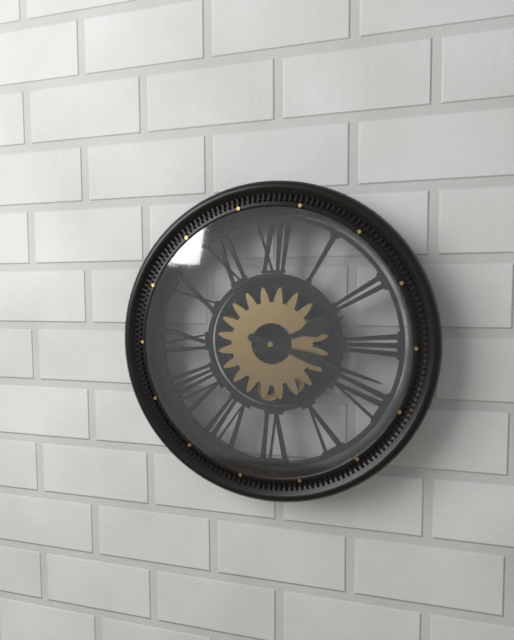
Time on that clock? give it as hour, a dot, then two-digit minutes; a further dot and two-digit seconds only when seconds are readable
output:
2.18
